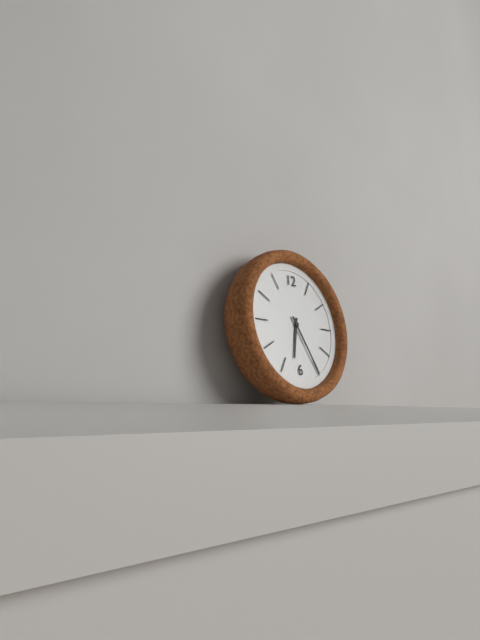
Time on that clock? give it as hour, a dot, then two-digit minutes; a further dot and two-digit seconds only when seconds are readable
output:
6.25
